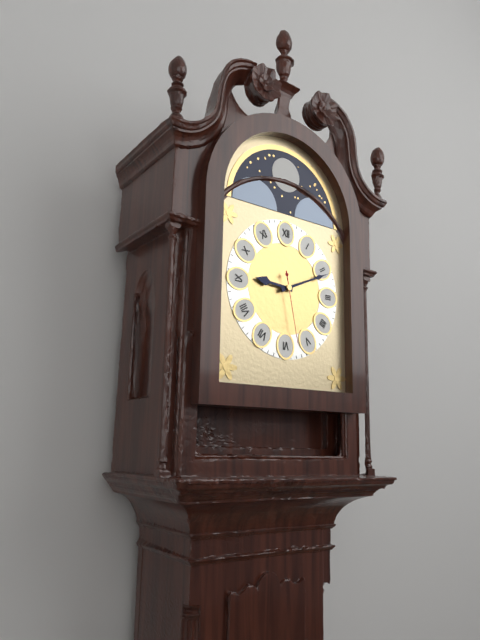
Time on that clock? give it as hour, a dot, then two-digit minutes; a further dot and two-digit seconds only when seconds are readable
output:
9.11.28
